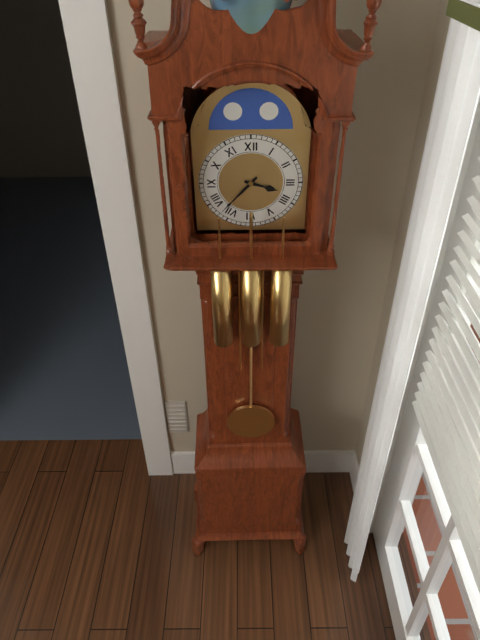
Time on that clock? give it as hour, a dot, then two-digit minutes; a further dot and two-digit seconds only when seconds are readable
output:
3.37
